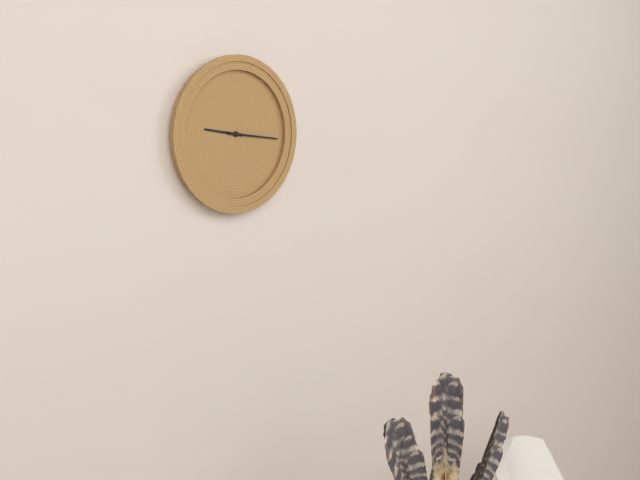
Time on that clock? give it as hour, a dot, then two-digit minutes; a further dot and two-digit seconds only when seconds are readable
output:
9.16
